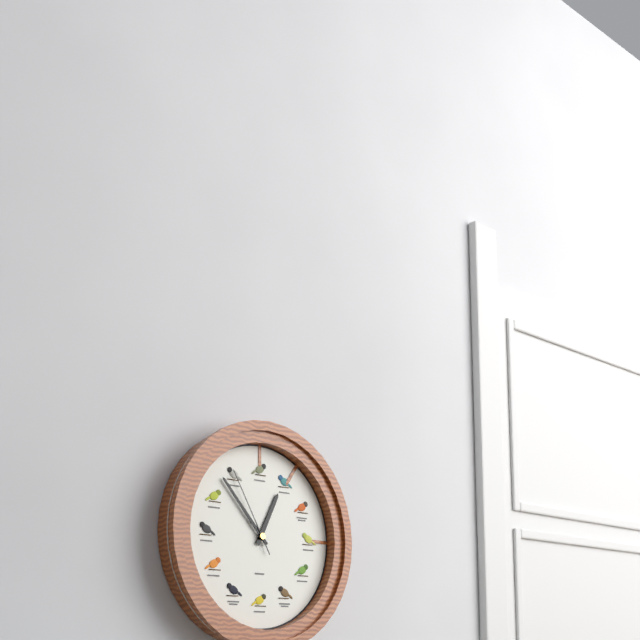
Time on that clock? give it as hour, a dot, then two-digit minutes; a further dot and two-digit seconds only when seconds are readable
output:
12.53.55
